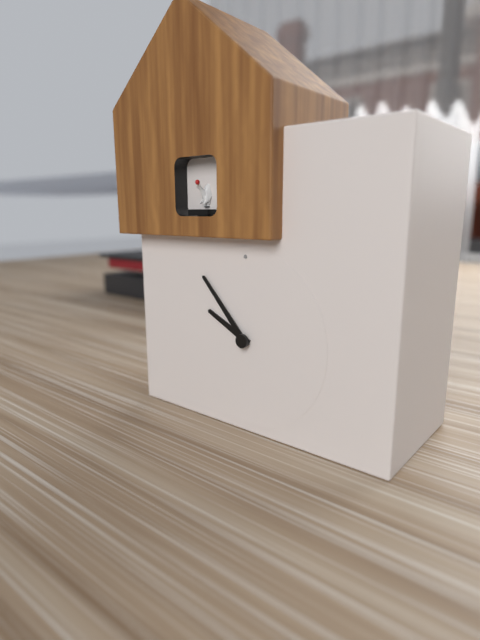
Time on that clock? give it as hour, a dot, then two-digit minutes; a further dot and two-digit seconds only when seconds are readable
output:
9.53
